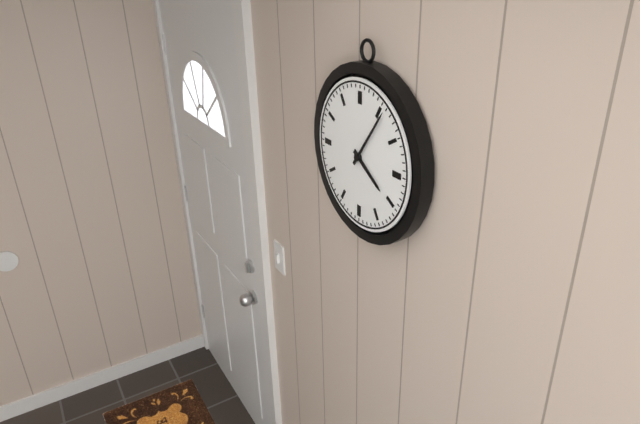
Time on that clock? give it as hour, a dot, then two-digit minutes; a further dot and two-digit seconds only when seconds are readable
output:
4.06
